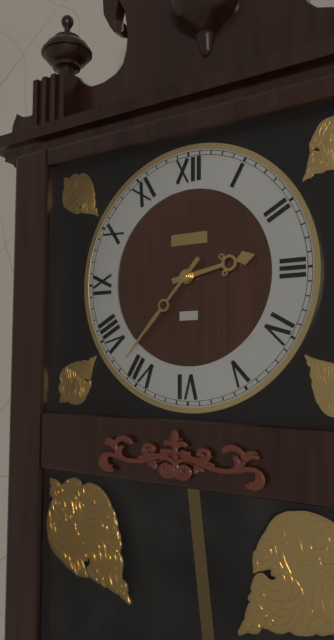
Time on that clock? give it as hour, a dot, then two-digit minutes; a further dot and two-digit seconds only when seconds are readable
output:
2.37
